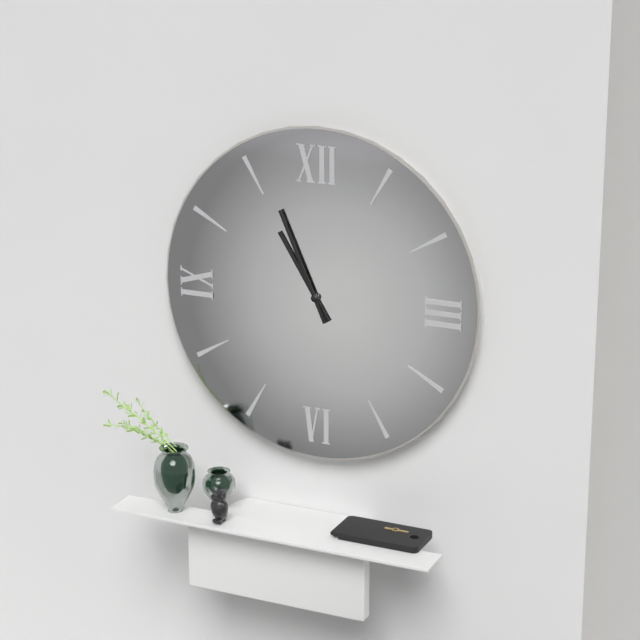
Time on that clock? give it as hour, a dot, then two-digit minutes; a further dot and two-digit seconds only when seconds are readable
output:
10.56
